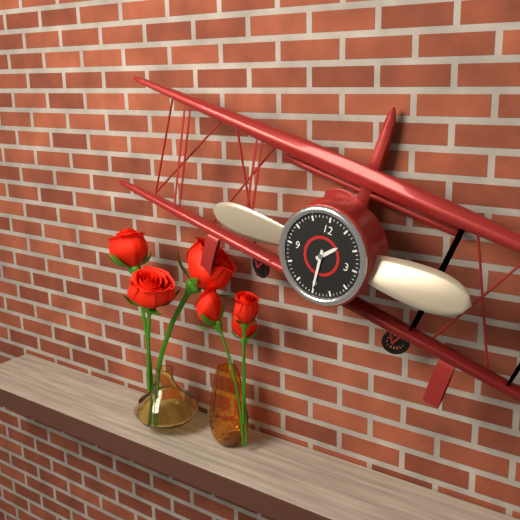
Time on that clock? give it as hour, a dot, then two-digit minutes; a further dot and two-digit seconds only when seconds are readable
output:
1.30
